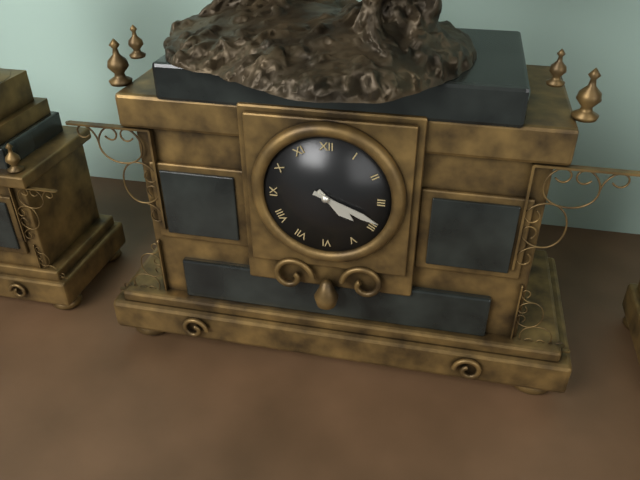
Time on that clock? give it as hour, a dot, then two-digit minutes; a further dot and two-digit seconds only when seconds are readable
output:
4.19
